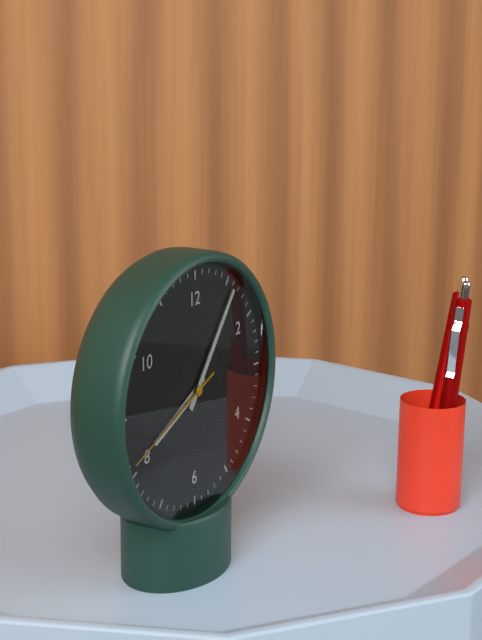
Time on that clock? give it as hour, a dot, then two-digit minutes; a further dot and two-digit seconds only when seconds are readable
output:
8.06.41
